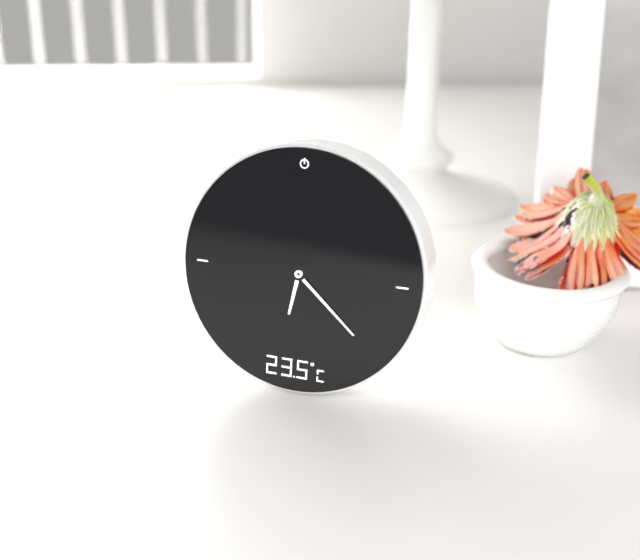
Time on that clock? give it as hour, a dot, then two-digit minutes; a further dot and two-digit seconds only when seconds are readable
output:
6.22
